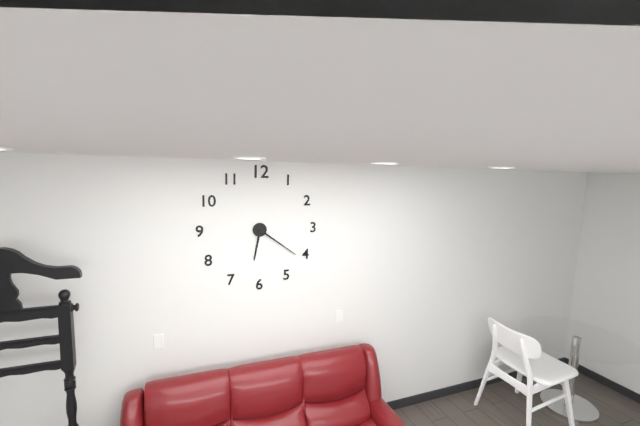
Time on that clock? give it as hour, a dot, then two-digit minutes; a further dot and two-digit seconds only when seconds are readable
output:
6.21
